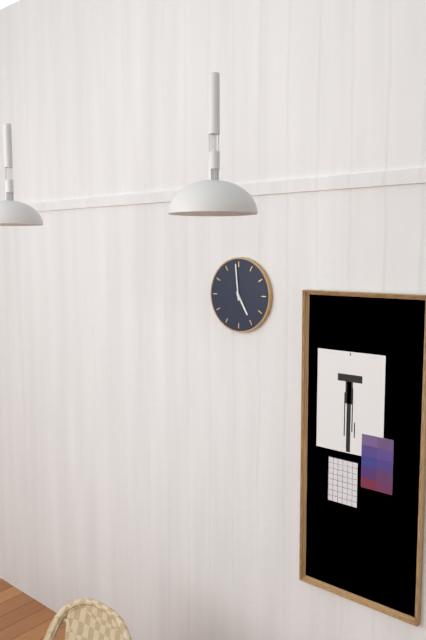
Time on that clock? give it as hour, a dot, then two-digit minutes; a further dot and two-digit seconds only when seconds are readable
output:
4.59
